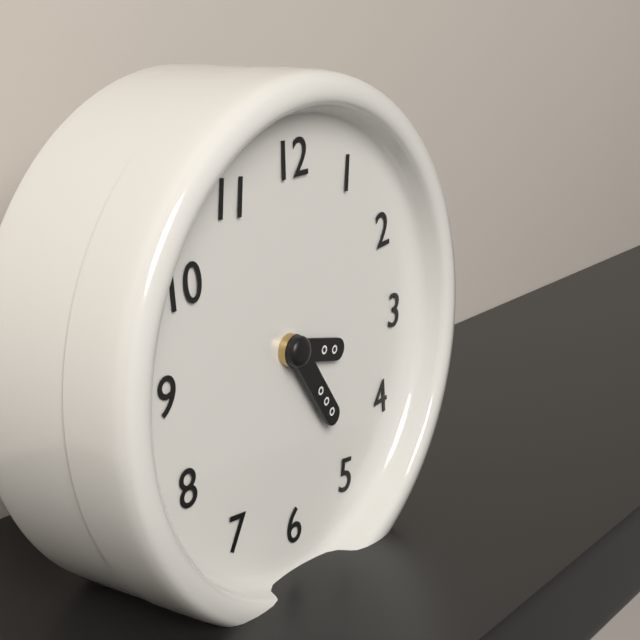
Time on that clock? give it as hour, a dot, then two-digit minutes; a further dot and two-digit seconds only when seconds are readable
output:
3.24
